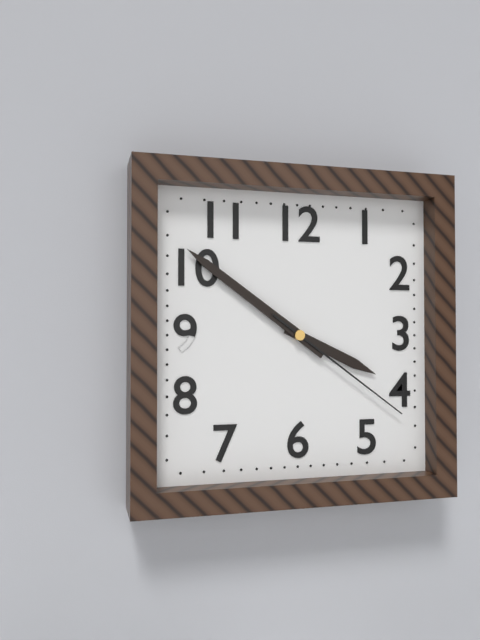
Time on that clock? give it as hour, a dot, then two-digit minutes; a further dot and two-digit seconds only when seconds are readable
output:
3.51.21
